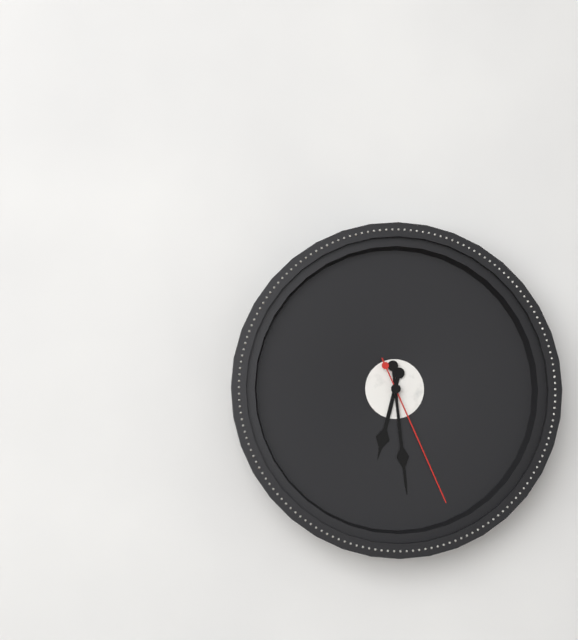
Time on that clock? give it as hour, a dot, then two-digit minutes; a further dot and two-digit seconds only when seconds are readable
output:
6.29.26
